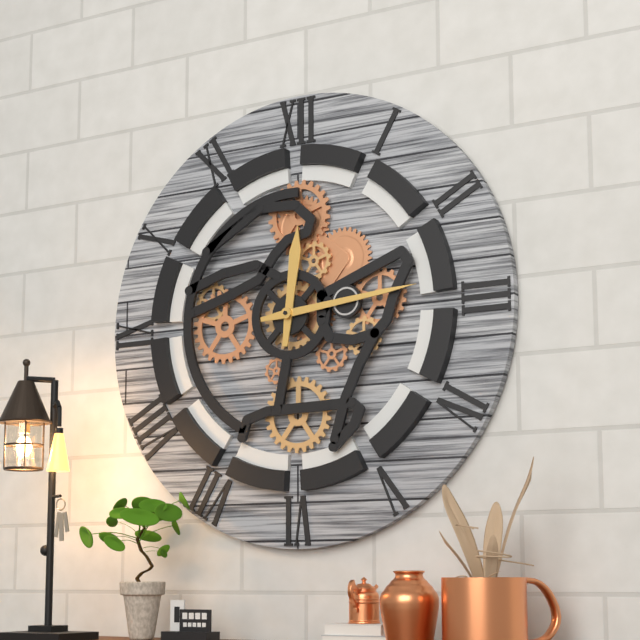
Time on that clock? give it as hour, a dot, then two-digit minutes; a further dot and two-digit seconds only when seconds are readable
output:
12.14
